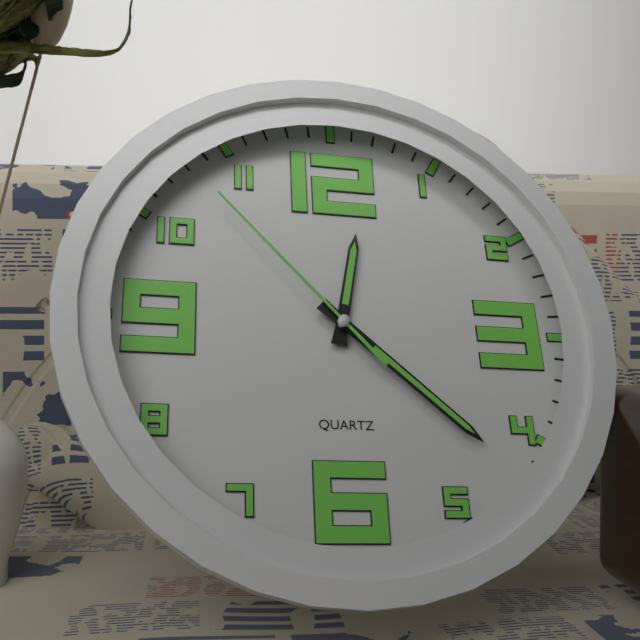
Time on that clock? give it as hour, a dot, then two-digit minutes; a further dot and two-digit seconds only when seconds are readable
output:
12.22.53
